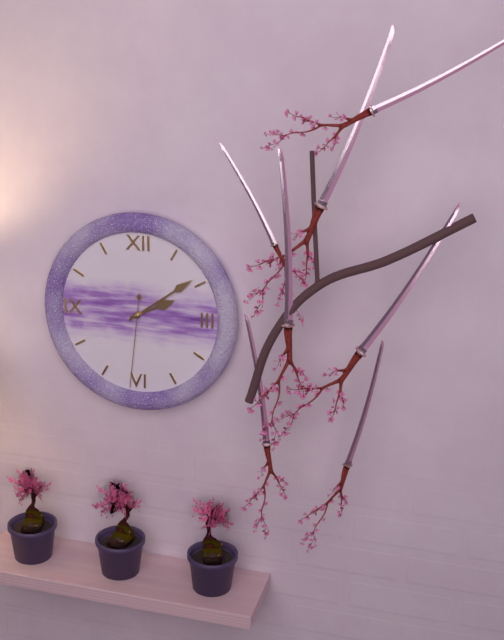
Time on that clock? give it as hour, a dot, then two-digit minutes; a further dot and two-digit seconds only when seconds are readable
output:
2.09.31
